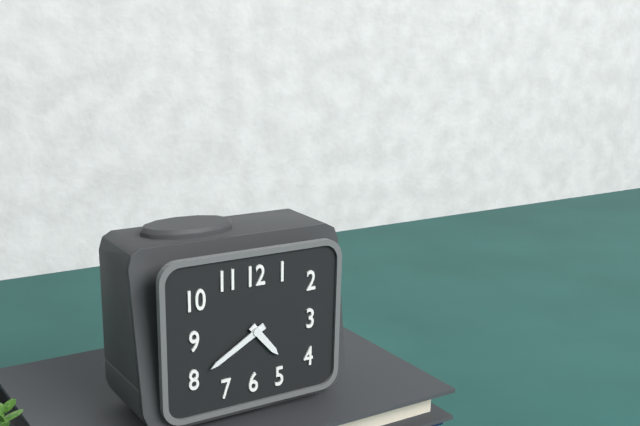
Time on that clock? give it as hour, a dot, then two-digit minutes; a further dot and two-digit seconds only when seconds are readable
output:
4.40
